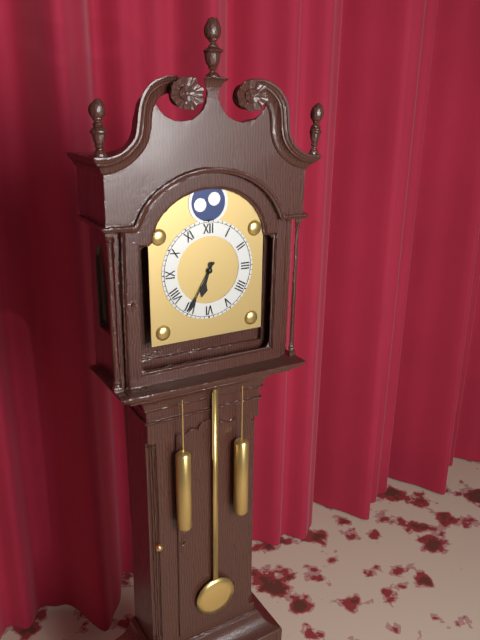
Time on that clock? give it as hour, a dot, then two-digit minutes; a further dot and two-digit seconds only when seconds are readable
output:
6.35
